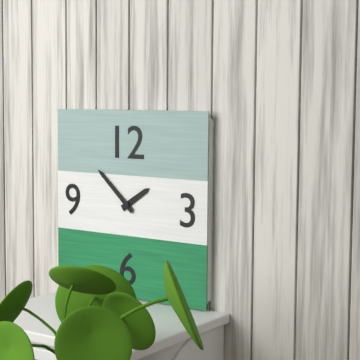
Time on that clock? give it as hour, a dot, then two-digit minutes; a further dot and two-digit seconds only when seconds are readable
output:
1.52
